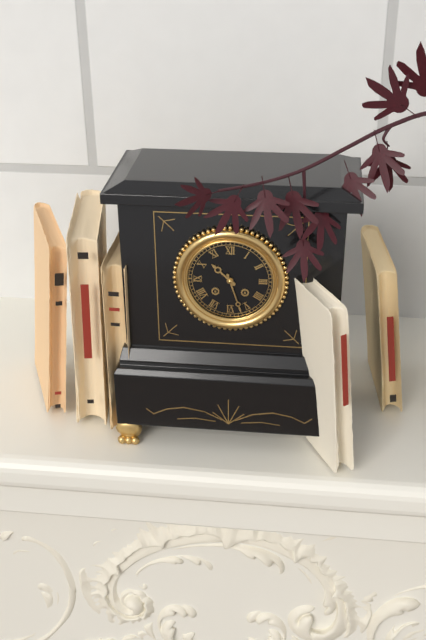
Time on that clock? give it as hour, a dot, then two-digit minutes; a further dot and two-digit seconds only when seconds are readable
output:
10.27
